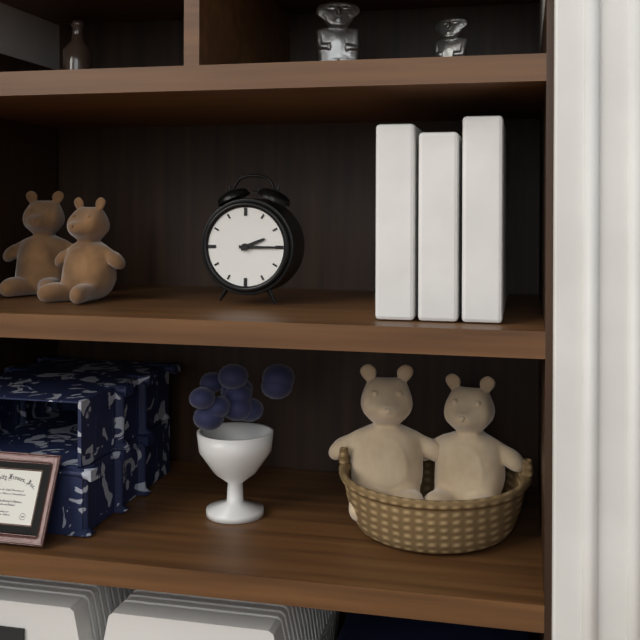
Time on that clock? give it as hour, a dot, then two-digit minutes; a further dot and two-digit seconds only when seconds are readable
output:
2.15
